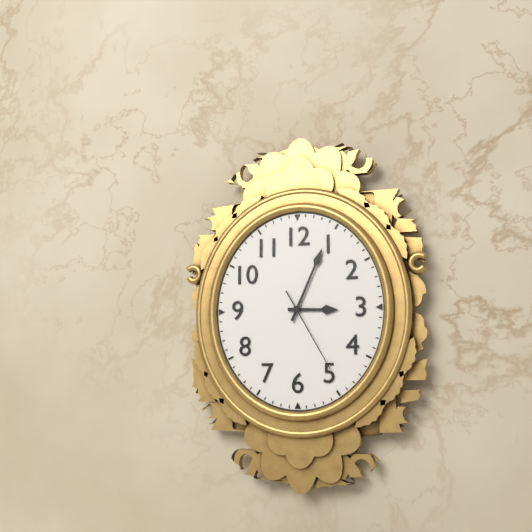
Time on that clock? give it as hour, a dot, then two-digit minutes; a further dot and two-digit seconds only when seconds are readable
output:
3.04.25
